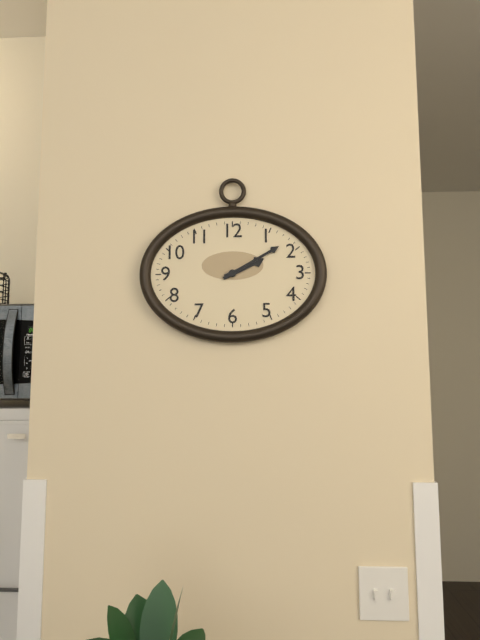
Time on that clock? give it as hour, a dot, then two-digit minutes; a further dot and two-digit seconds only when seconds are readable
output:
2.10
